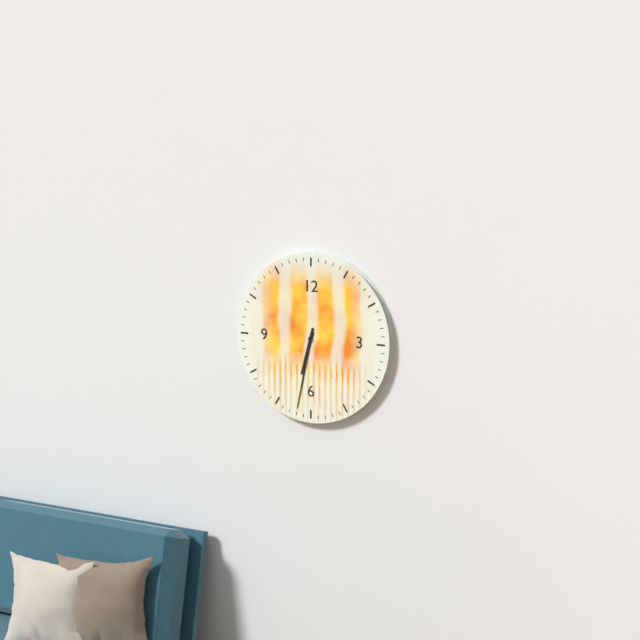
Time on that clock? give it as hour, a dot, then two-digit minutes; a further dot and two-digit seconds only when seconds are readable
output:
6.32
